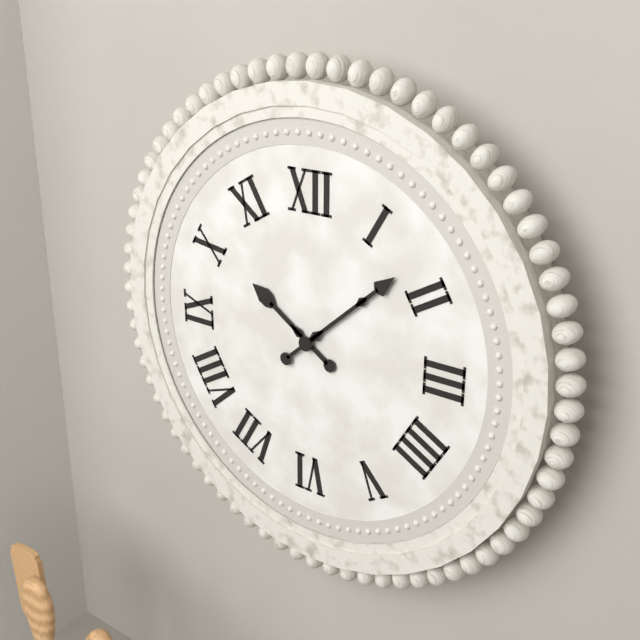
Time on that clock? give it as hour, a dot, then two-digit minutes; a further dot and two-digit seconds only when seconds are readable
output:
10.08
